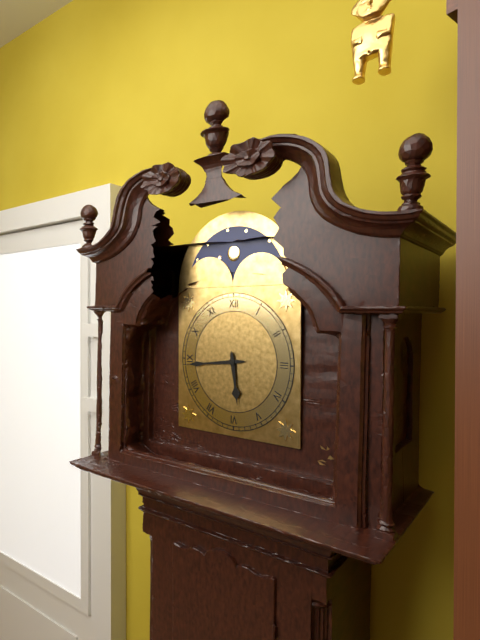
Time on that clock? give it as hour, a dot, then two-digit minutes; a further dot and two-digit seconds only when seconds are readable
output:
5.44
